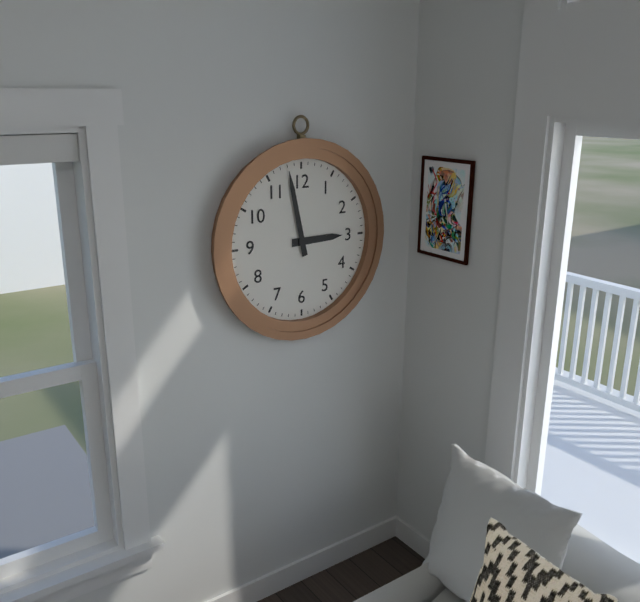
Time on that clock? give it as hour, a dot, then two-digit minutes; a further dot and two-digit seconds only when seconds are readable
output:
2.58
